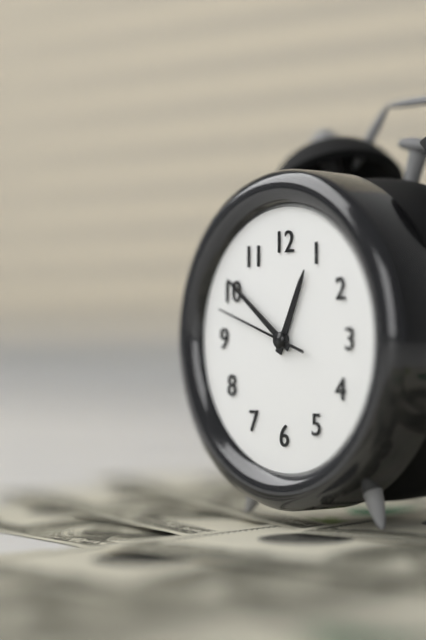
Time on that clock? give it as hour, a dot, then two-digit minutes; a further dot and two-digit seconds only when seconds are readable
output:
12.51.48
